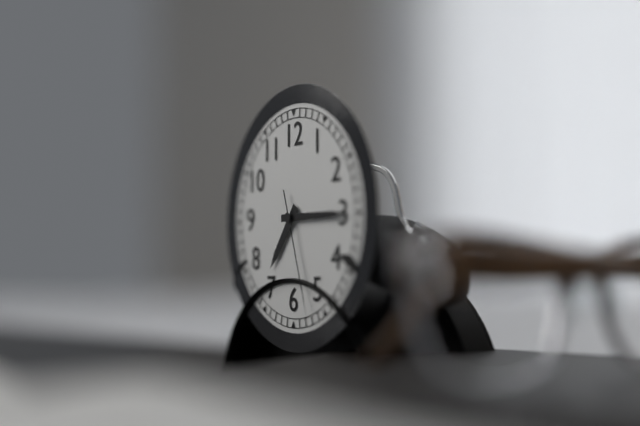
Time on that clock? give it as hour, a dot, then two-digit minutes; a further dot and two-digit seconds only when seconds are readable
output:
7.15.27
